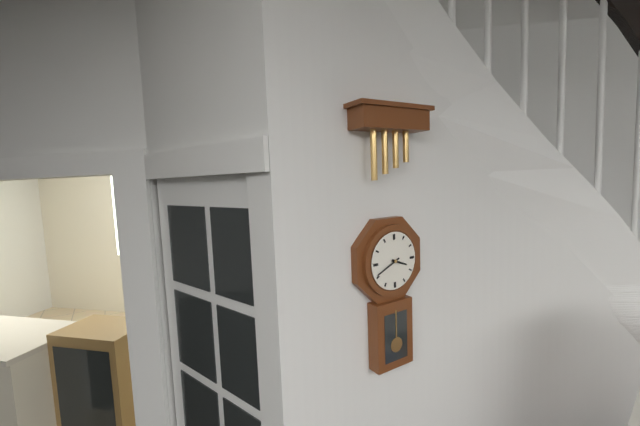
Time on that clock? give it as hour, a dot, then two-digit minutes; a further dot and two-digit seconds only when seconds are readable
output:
3.41
